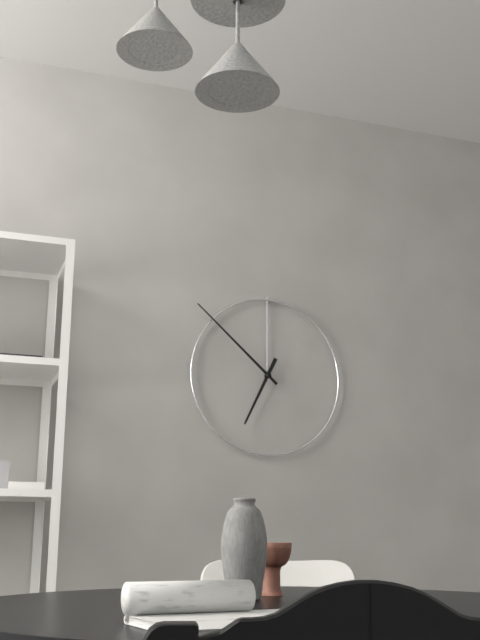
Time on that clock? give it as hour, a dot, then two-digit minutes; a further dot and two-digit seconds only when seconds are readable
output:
6.52
